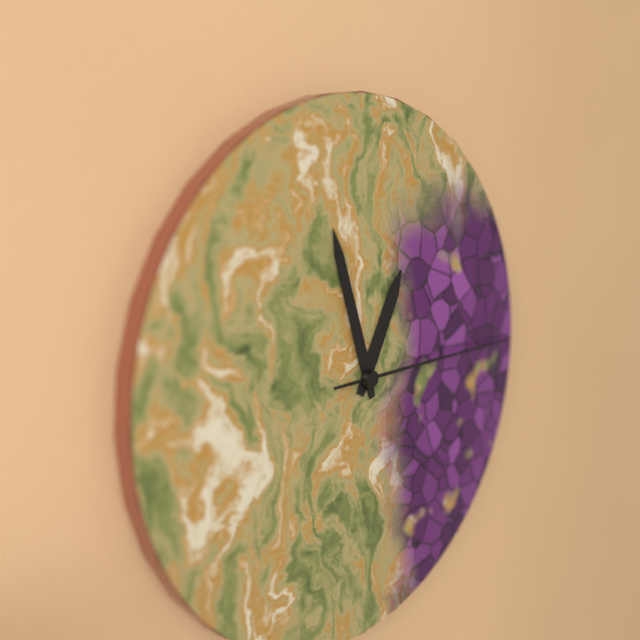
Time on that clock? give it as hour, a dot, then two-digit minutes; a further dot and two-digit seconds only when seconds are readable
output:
12.57.15
